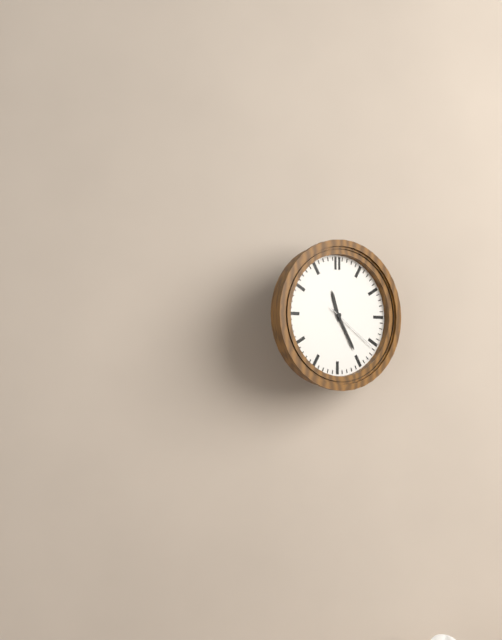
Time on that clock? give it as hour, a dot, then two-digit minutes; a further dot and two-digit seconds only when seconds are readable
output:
11.25.21
